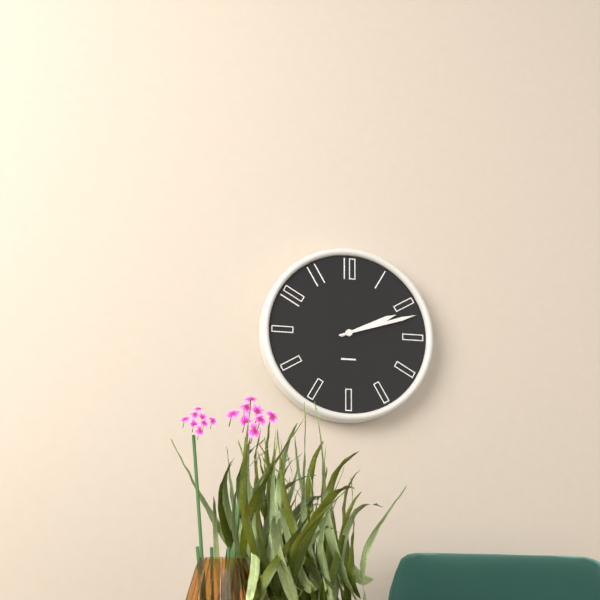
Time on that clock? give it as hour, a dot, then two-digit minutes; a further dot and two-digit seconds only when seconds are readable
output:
2.12
